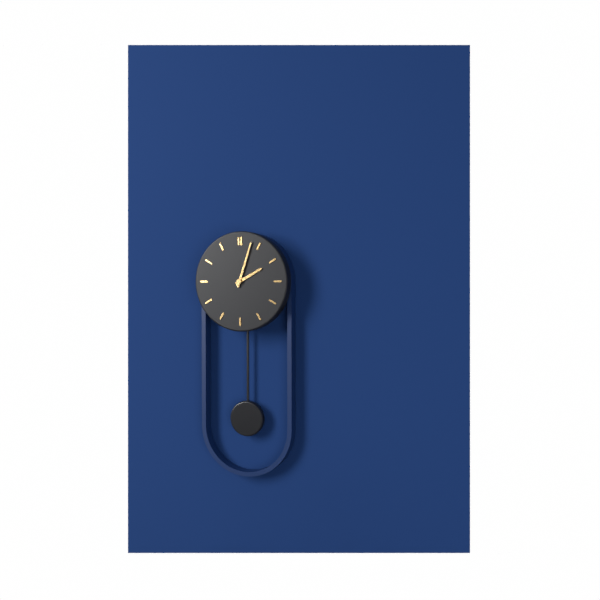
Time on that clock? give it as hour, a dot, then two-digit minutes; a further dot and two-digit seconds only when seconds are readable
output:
2.03
